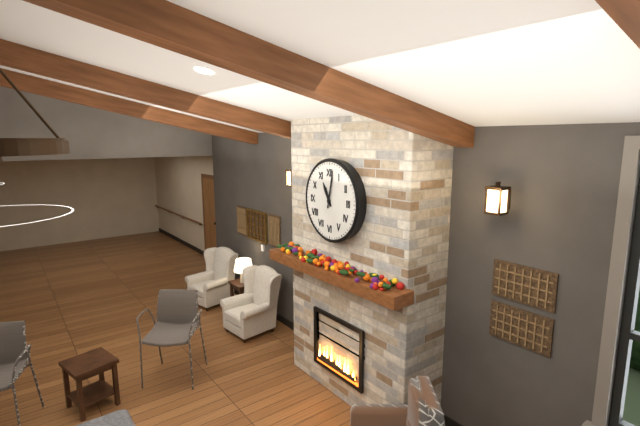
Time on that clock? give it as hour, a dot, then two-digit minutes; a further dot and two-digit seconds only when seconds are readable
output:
11.02
